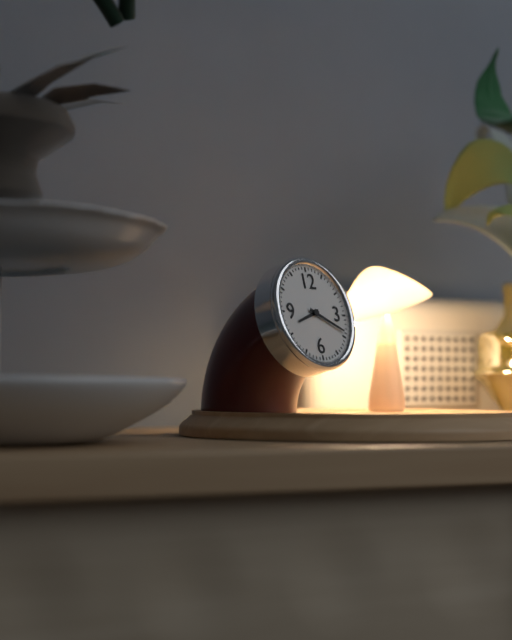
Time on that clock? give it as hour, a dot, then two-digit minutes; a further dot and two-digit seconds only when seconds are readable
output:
8.19
